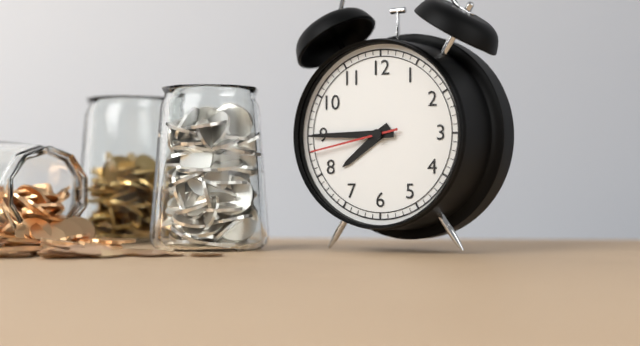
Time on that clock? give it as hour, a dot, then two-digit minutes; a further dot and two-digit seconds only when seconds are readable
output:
7.45.43
